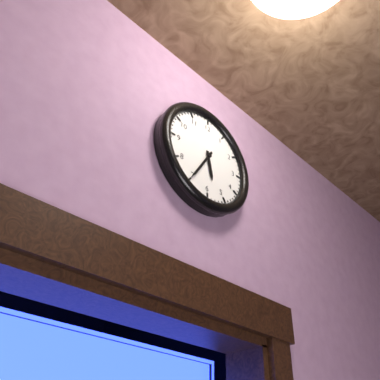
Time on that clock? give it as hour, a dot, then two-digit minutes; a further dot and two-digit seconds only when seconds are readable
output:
5.35
